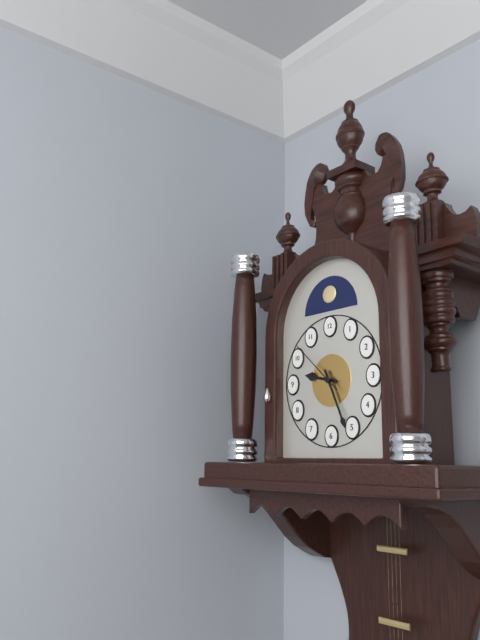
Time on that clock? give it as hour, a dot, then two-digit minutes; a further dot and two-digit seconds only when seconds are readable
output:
9.26.52
